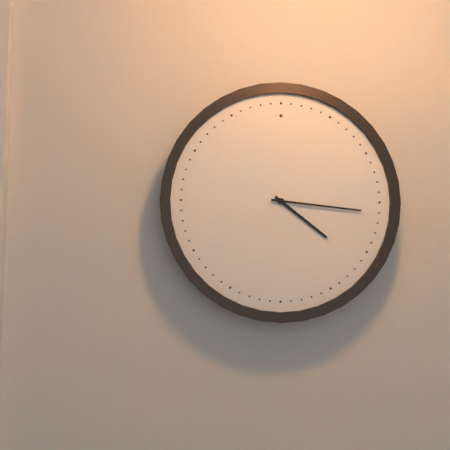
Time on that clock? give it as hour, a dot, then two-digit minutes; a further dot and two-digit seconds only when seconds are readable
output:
4.16
